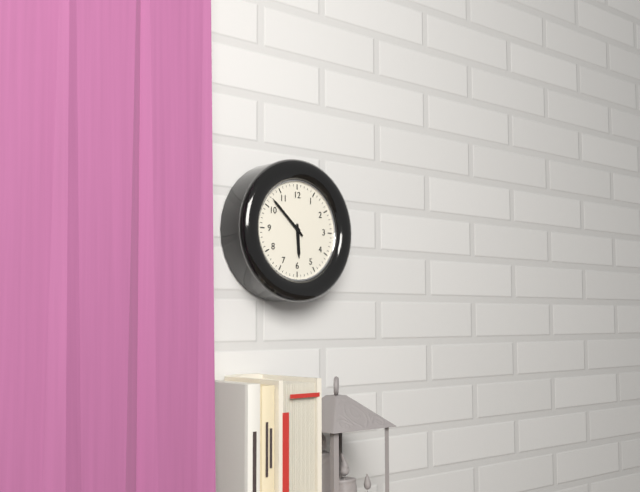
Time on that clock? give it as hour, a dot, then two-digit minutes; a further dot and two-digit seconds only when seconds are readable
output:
5.52
